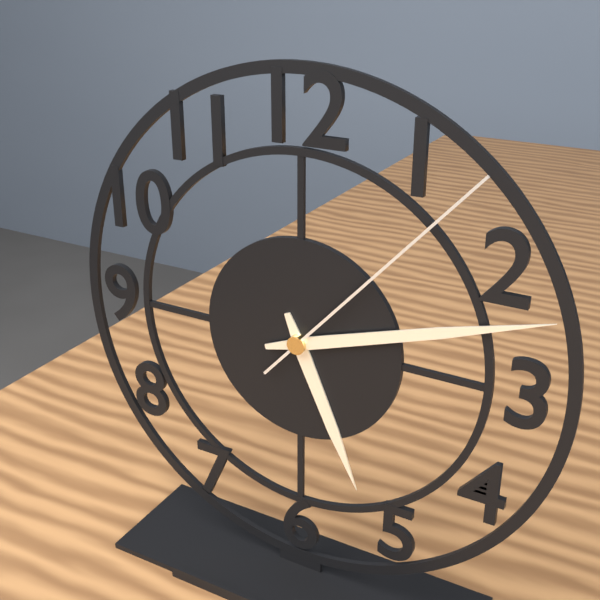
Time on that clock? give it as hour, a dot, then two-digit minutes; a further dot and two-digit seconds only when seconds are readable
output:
5.12.07
